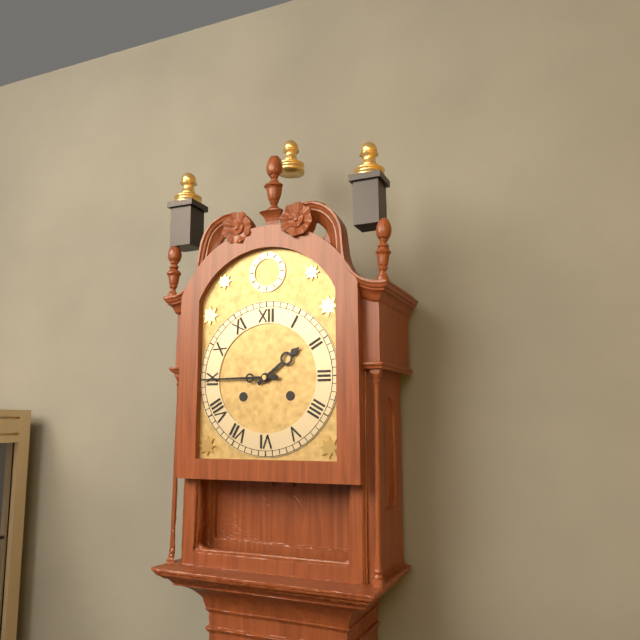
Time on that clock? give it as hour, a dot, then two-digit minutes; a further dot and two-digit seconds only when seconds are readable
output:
1.45
